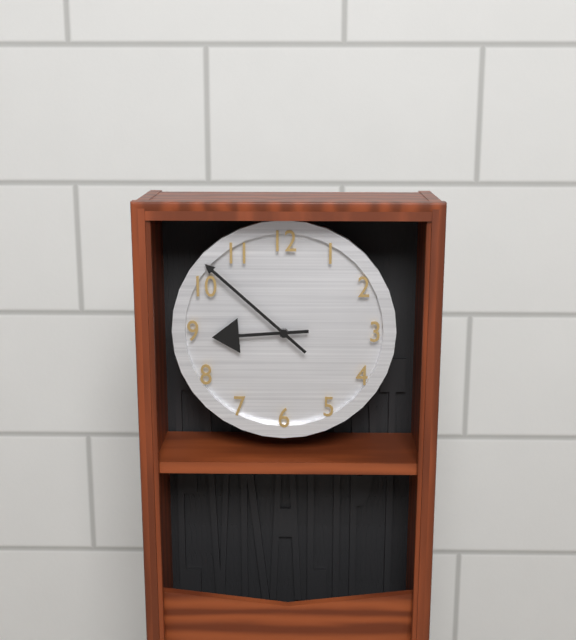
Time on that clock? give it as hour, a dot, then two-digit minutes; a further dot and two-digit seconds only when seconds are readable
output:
8.52
